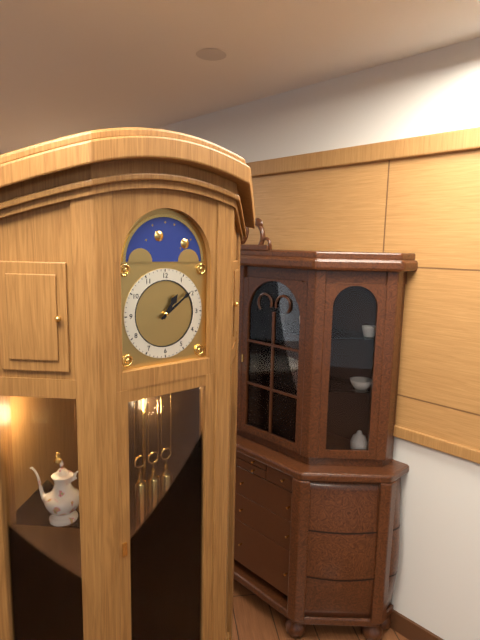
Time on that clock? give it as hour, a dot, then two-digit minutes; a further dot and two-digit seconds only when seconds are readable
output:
1.09
